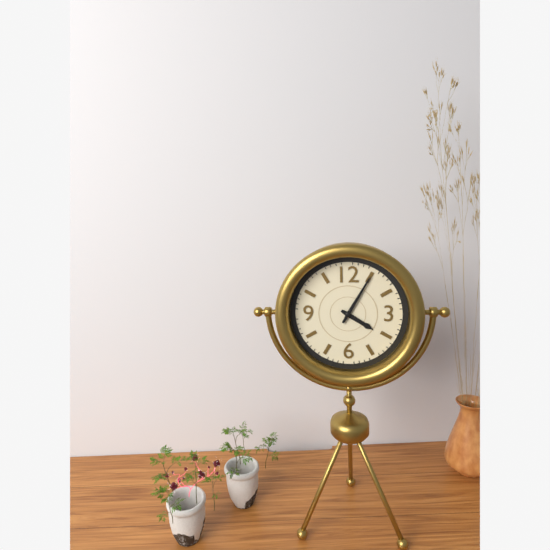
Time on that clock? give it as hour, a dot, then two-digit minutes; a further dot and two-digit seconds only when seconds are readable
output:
4.05
